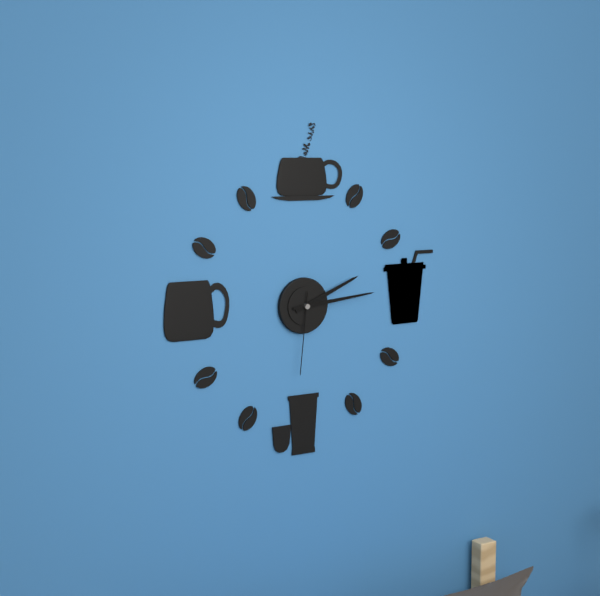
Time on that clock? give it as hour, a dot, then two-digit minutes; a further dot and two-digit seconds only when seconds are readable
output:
2.14.31
